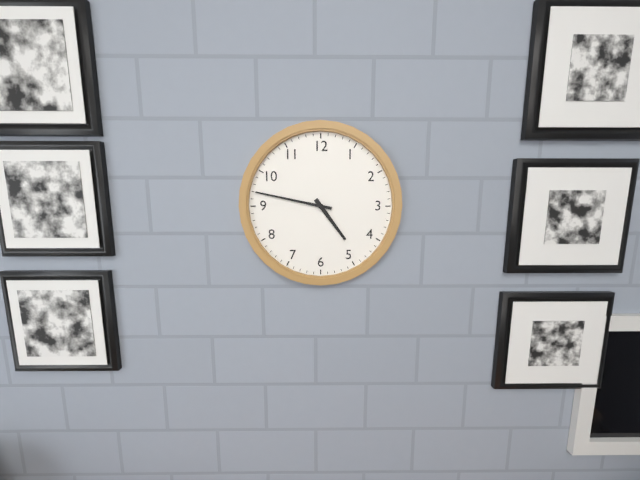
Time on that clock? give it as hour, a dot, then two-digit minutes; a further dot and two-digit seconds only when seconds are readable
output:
4.47
